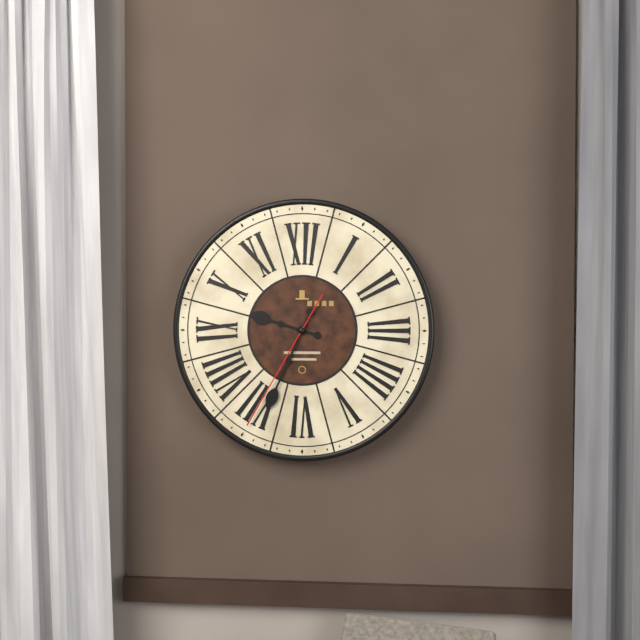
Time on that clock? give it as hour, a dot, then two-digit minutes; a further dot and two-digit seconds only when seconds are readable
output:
9.34.35
